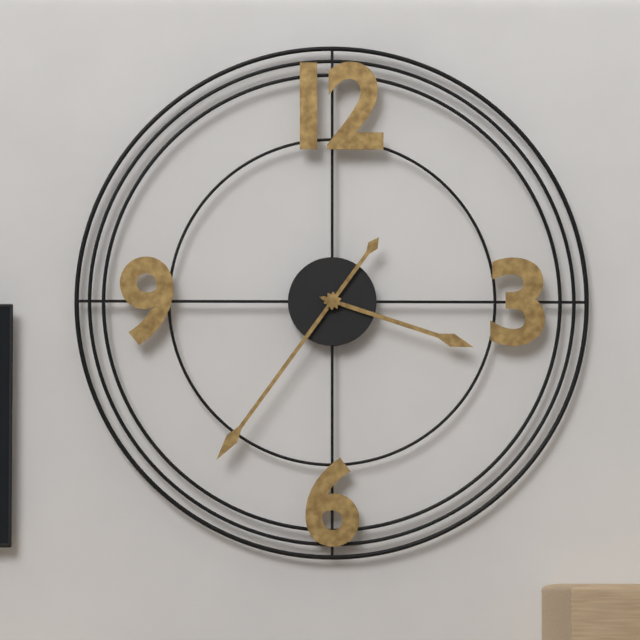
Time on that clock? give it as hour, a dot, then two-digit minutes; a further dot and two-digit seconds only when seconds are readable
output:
3.36
